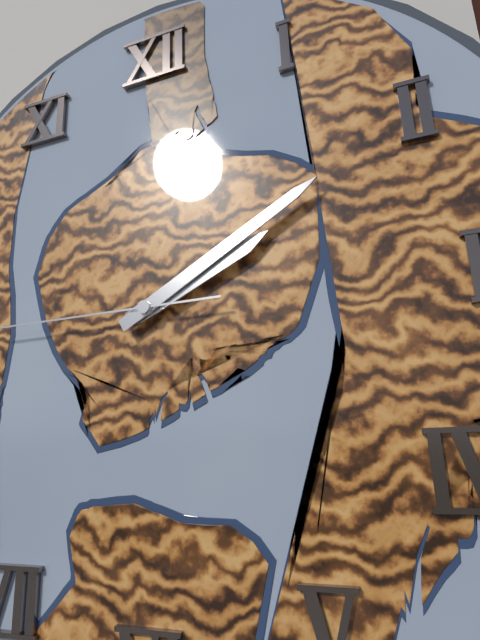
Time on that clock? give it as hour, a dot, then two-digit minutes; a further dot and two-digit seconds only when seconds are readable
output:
2.10
